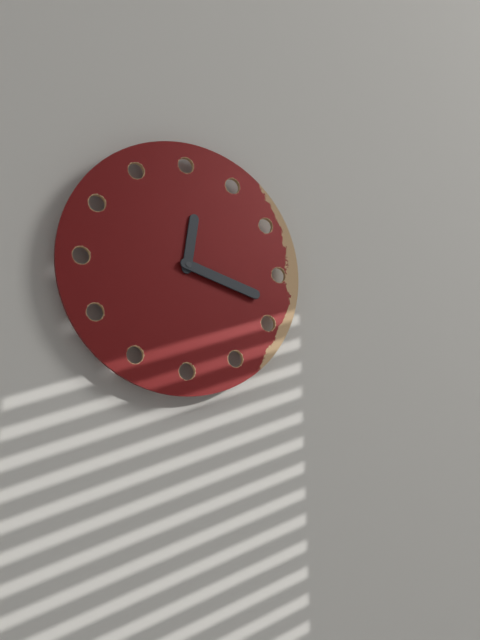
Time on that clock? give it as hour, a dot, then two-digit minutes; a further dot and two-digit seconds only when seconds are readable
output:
12.18
